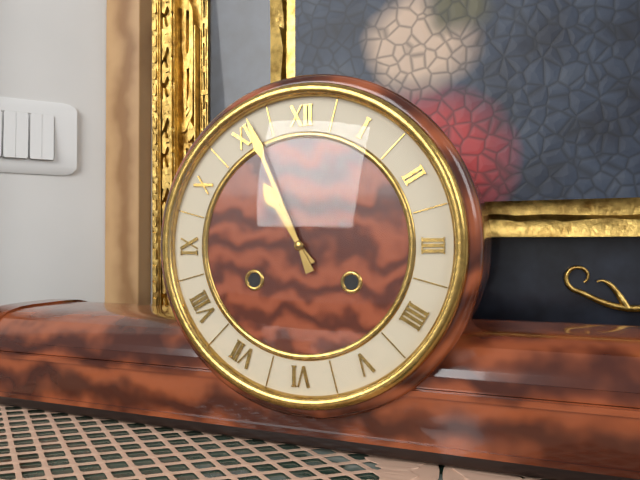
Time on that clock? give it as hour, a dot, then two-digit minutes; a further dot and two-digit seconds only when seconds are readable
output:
10.56
